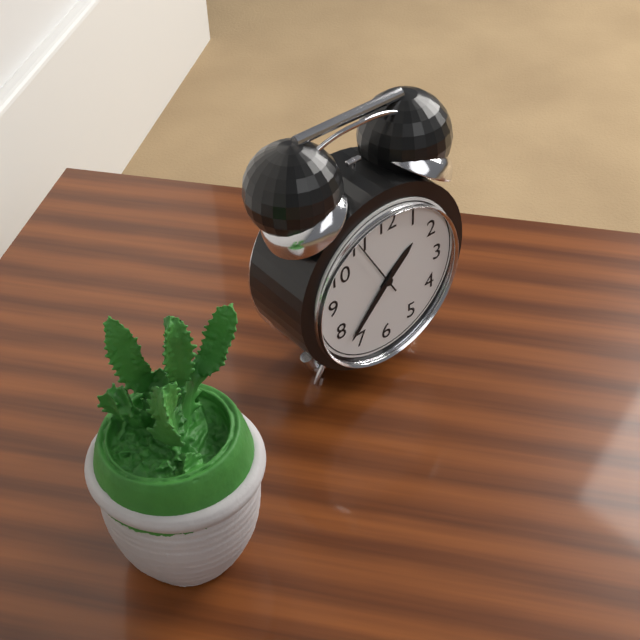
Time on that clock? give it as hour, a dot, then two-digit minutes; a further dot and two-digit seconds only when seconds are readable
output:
1.37.55
